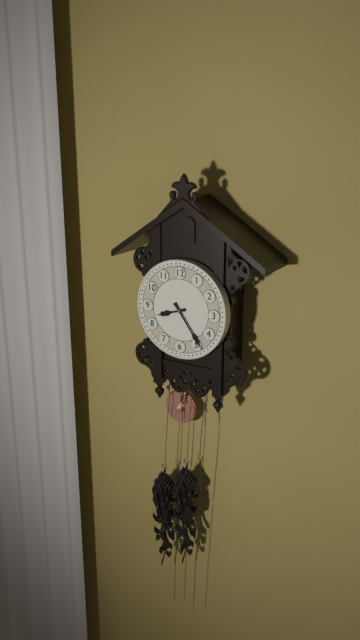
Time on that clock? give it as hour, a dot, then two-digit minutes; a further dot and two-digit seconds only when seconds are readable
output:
8.24
